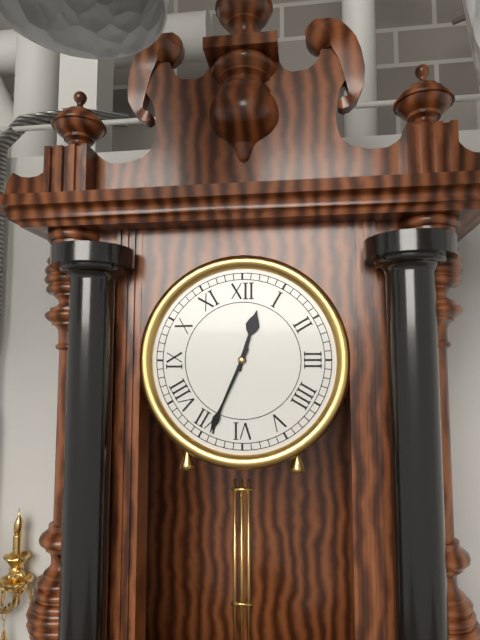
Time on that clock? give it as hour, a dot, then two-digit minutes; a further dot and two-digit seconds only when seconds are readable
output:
12.34
